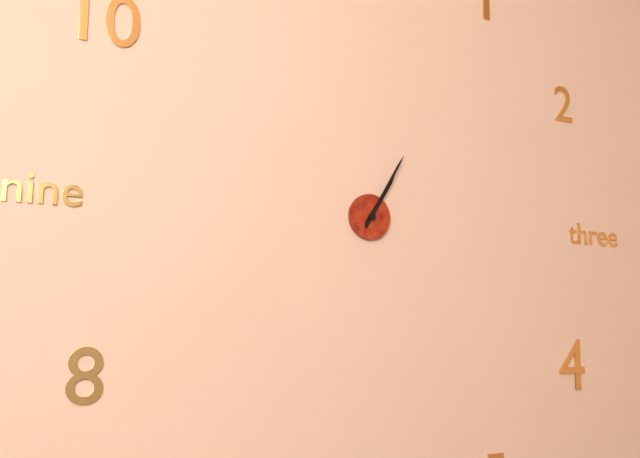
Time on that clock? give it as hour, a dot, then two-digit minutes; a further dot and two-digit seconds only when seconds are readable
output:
1.05
